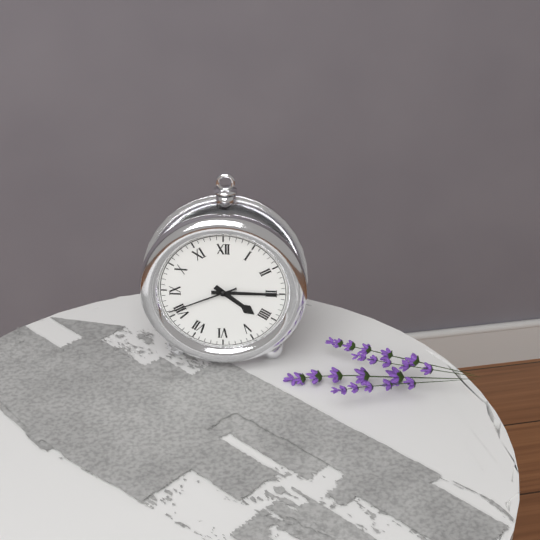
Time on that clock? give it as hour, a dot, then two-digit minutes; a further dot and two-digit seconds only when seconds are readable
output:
4.15.41
